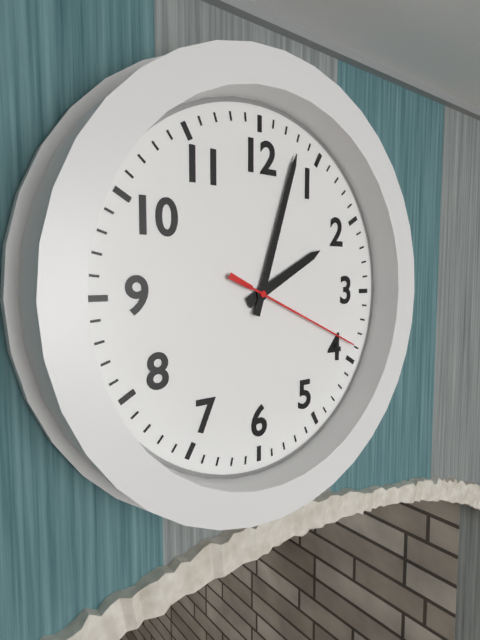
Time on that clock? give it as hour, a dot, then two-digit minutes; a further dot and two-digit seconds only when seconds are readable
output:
2.03.19
